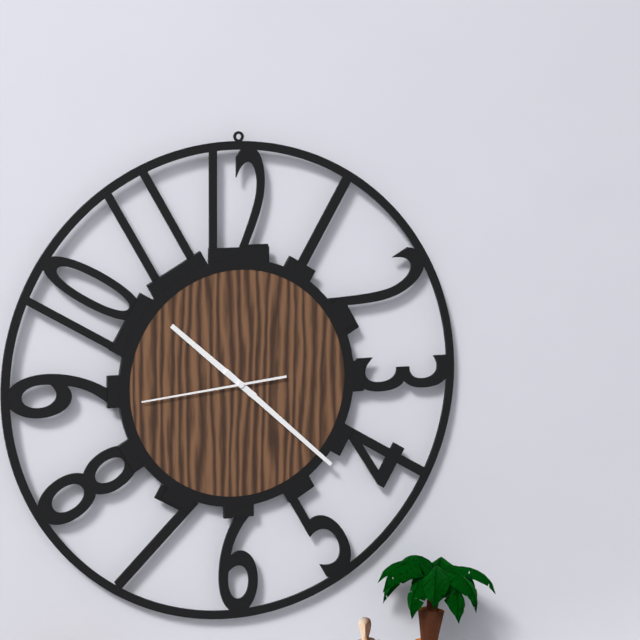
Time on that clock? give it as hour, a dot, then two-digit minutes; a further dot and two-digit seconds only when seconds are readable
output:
10.22.44
